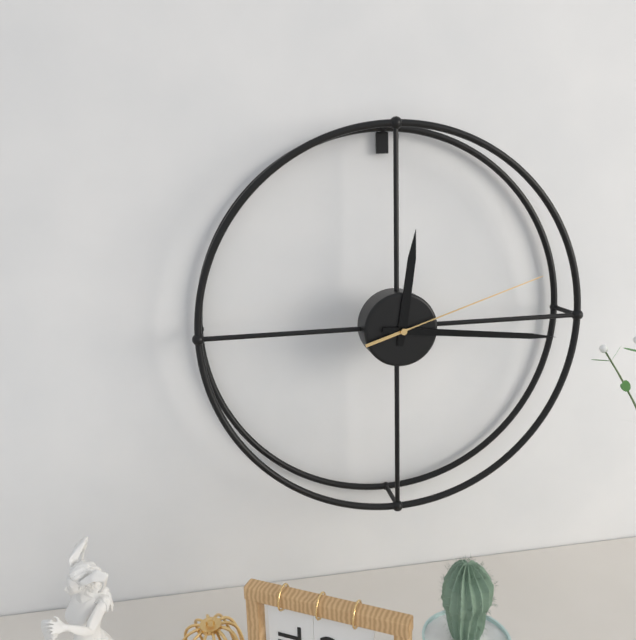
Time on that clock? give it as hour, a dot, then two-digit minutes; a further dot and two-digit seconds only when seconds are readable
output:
12.16.12
